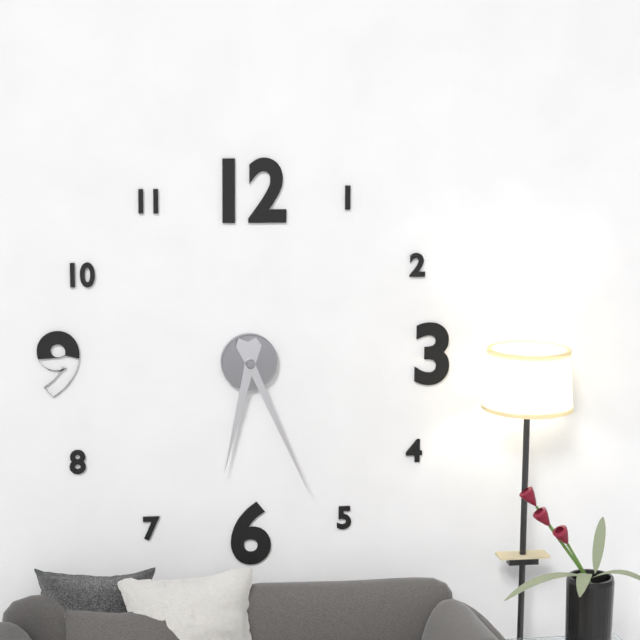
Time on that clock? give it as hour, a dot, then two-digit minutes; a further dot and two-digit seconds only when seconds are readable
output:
6.26
